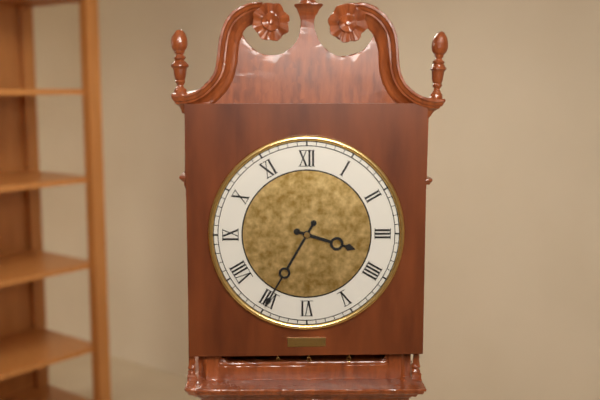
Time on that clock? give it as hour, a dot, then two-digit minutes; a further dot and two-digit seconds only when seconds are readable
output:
3.35
